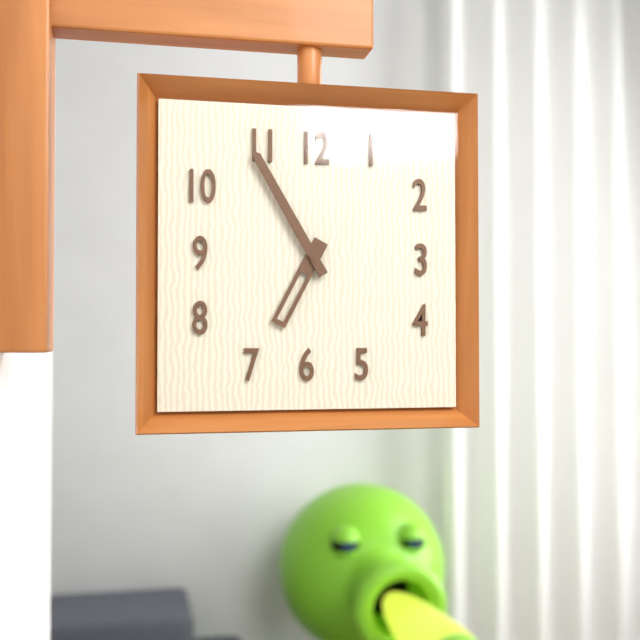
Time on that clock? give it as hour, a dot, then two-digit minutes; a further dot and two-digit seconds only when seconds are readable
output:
6.55
